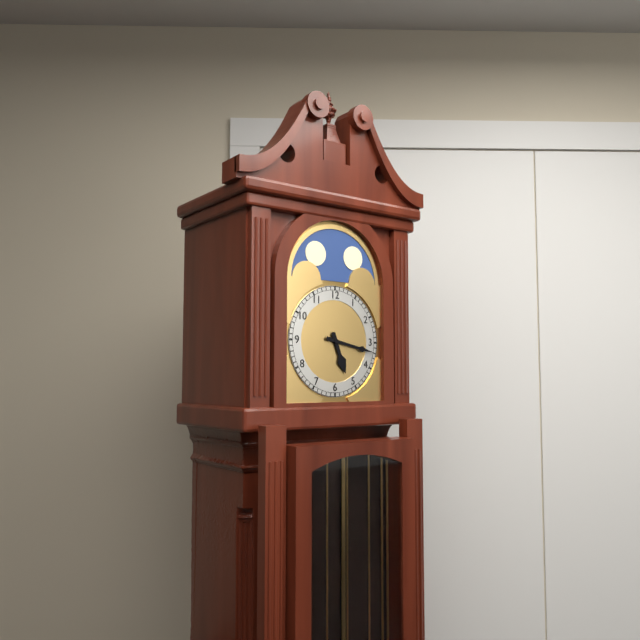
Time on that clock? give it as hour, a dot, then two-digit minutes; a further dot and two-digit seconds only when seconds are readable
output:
5.17
